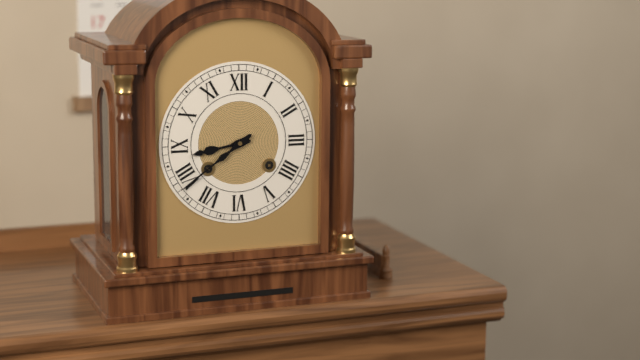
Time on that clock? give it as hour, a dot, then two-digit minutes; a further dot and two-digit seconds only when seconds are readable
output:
8.39
